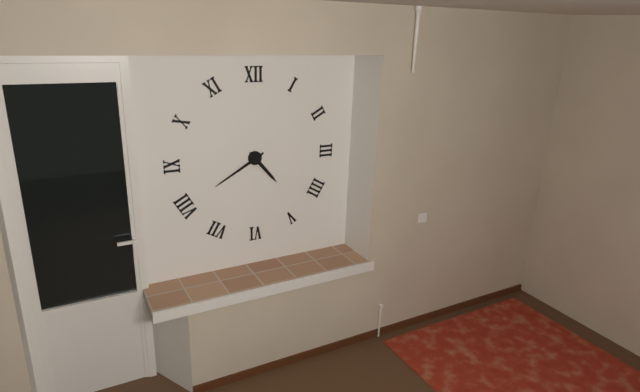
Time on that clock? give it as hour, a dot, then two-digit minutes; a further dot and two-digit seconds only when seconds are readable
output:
4.40
